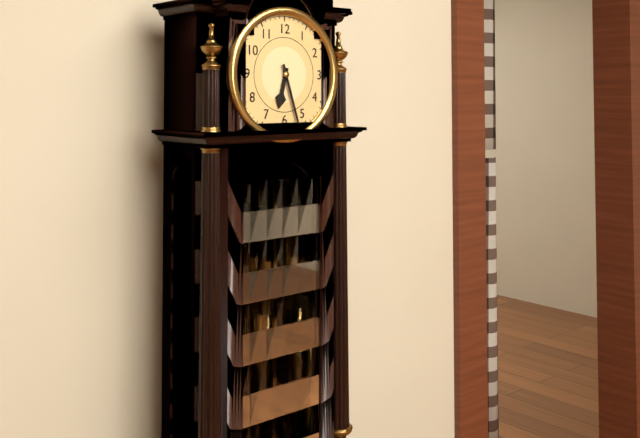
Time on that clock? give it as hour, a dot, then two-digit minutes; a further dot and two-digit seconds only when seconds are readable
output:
6.27
